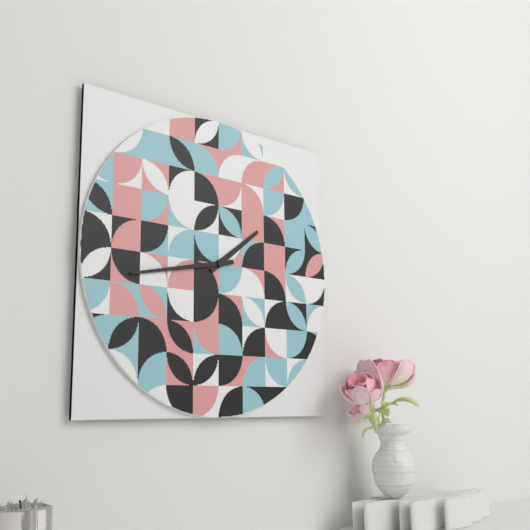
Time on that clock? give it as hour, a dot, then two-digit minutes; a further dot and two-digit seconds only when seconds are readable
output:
1.43
